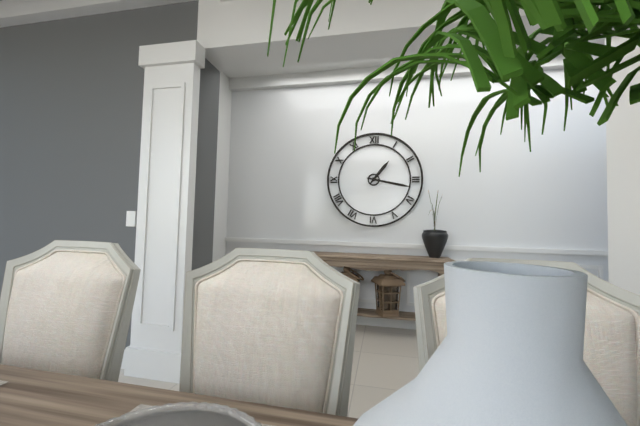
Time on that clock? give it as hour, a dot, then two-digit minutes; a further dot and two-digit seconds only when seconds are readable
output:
1.17
